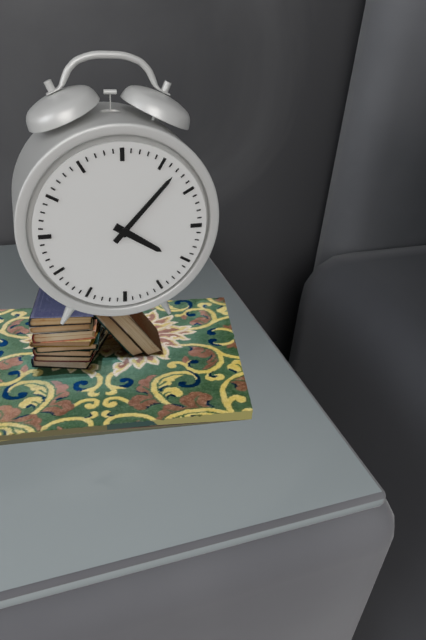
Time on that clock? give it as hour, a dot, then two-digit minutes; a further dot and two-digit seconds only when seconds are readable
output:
4.07
